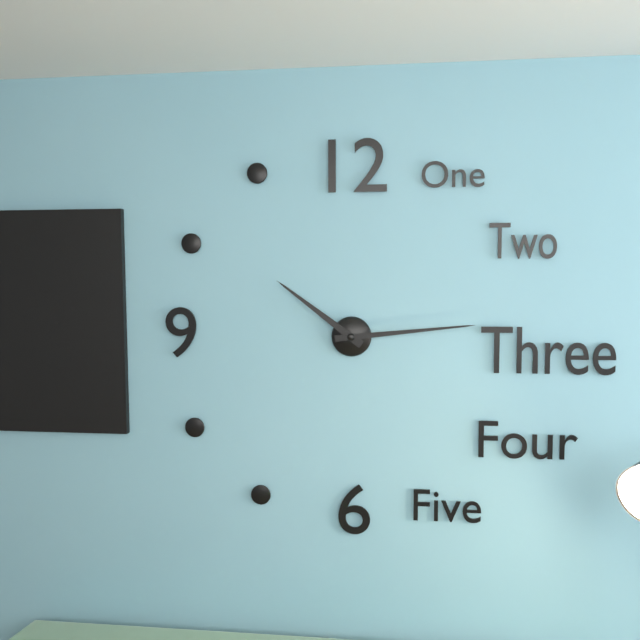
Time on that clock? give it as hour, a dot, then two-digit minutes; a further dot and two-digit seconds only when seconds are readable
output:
10.14
